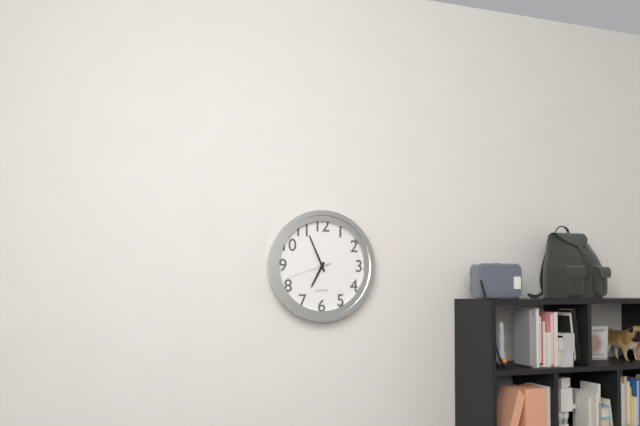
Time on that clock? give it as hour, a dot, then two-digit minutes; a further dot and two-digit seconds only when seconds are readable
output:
6.56
